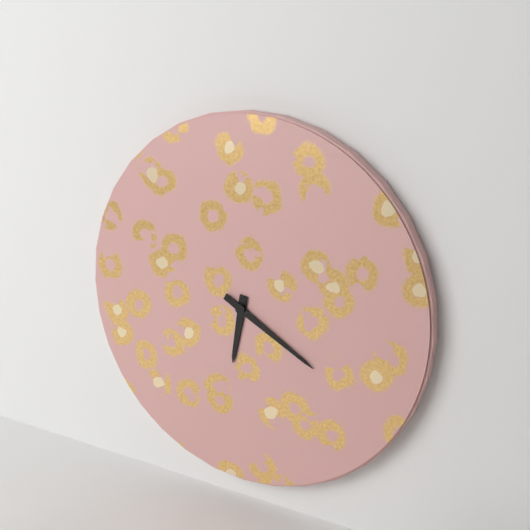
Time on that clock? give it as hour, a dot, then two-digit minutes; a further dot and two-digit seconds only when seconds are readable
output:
6.20
